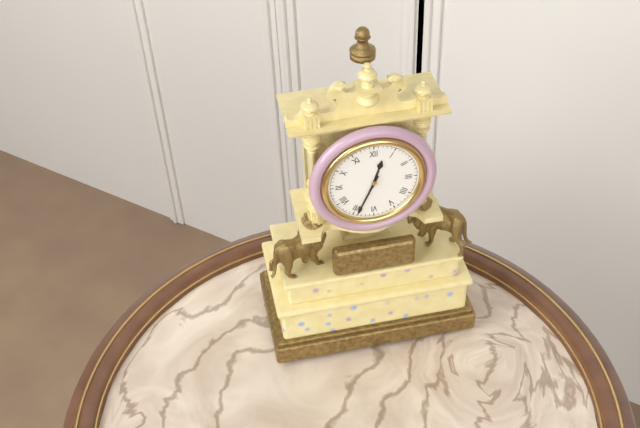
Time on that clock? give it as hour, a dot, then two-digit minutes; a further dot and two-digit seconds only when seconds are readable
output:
12.34
